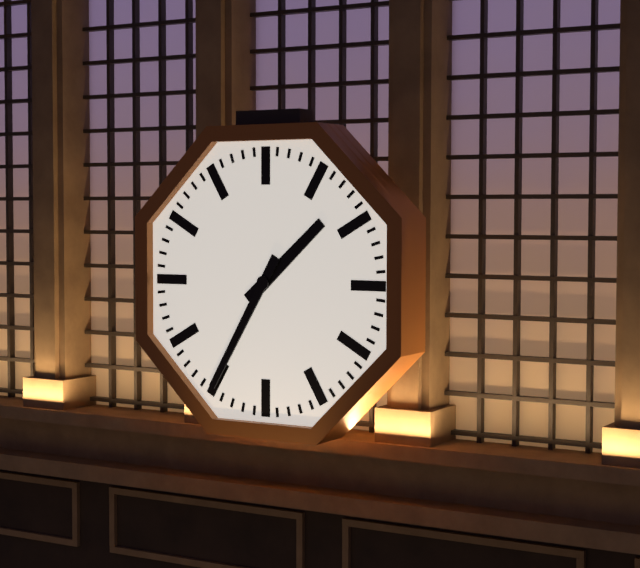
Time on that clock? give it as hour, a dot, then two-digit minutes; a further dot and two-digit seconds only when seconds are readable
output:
1.35
